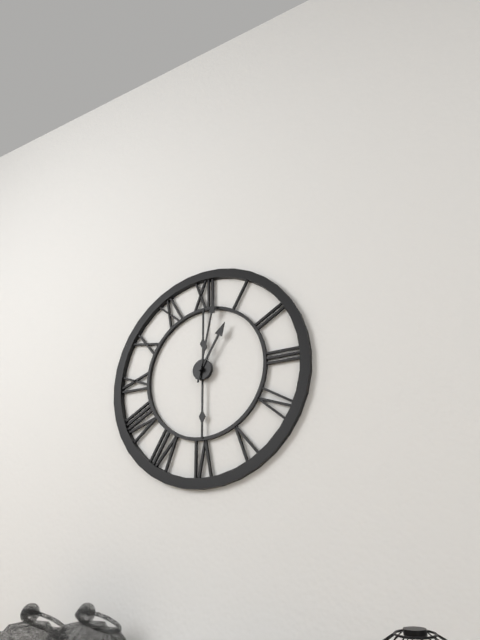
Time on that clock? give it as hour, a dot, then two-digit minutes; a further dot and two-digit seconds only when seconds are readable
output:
1.02
